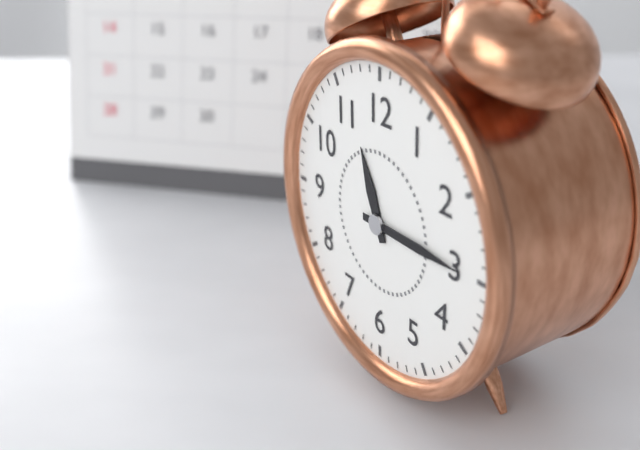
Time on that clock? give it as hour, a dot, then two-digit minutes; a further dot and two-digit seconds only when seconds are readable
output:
11.15
